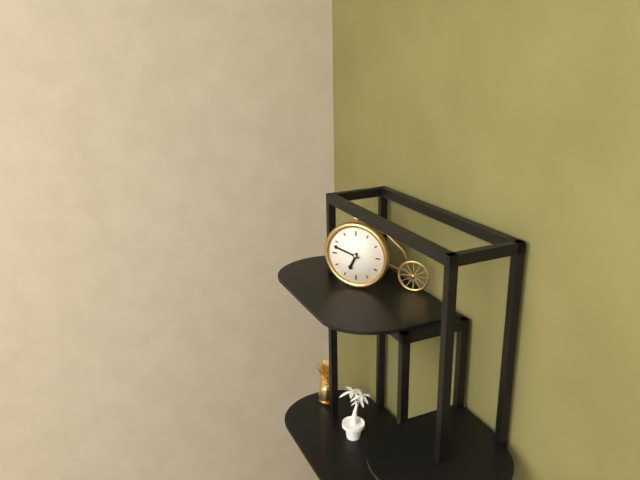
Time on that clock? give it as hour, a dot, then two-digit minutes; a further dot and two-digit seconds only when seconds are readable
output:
6.48
